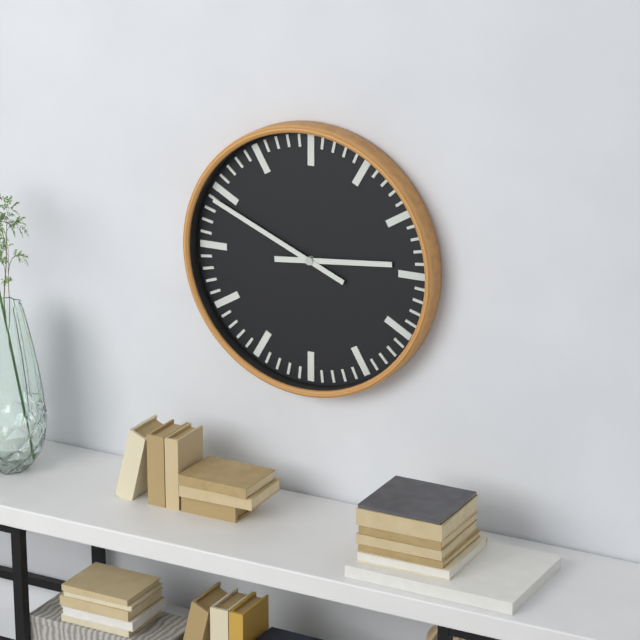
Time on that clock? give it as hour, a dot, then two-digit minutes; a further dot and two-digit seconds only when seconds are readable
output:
2.49
